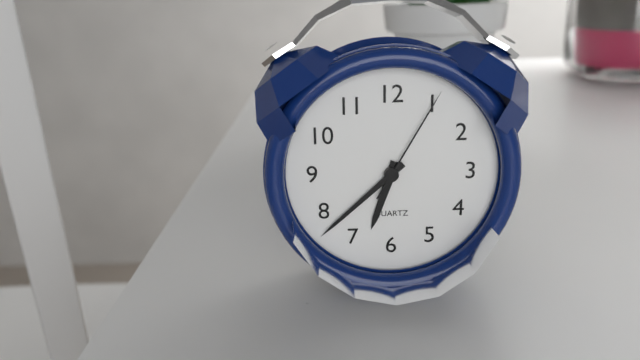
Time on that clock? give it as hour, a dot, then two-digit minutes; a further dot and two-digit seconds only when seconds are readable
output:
6.38.05
